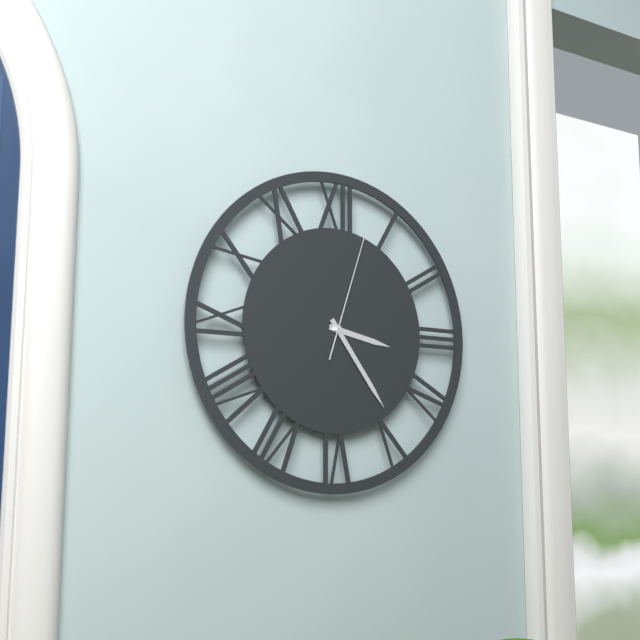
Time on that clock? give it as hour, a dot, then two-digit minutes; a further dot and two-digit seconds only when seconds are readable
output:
3.24.03
